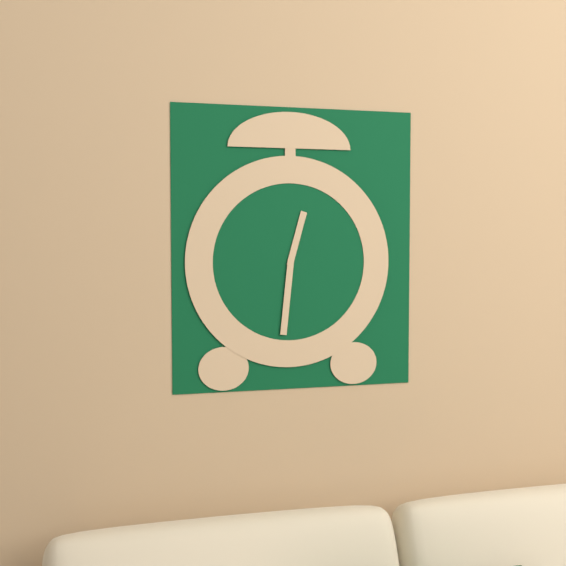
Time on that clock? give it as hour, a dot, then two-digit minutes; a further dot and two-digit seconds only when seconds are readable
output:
12.31
